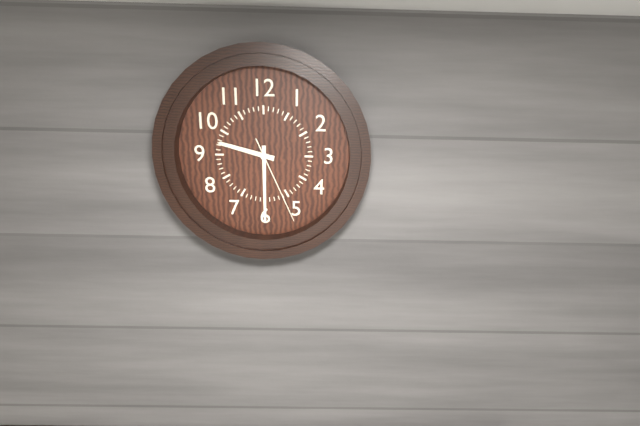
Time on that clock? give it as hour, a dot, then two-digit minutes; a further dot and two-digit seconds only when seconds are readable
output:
9.30.26
